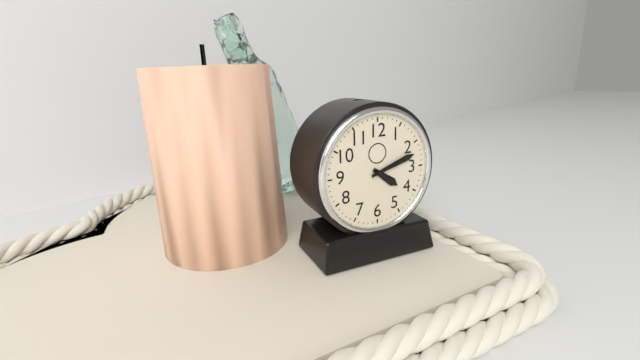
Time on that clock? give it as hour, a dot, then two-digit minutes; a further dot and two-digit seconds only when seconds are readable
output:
4.12
